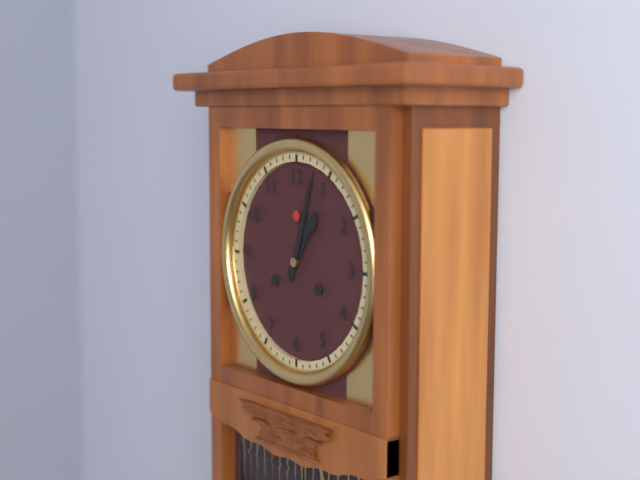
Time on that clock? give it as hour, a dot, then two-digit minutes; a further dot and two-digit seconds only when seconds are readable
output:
1.03
